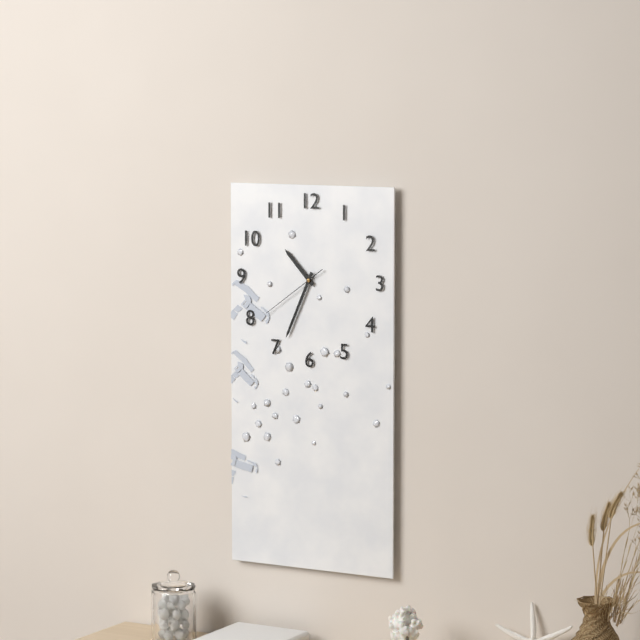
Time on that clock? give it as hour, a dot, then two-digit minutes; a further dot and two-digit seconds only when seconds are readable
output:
10.34.39
